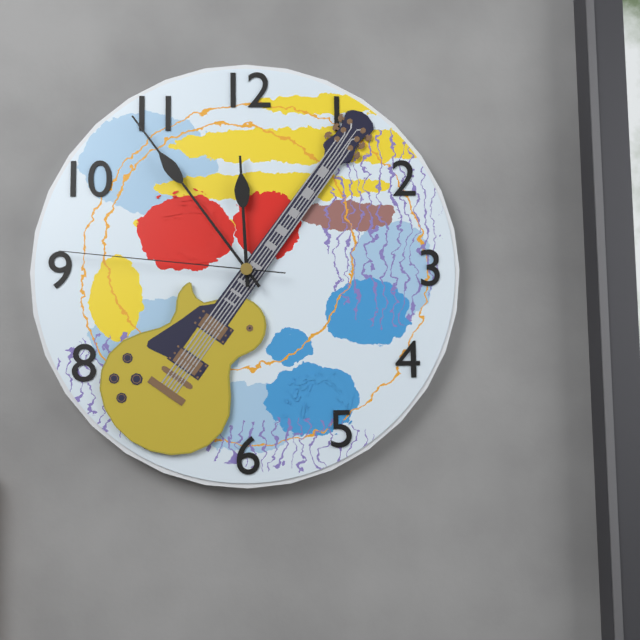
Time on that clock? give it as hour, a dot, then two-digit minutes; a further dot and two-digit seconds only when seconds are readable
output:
11.54.46
